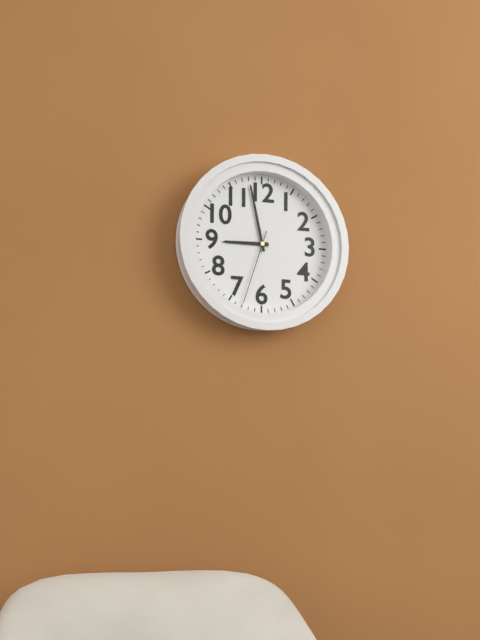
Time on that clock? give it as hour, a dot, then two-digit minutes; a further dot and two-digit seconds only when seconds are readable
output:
8.58.33
